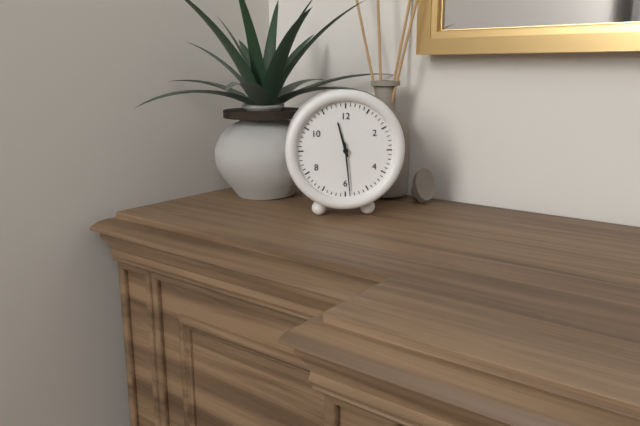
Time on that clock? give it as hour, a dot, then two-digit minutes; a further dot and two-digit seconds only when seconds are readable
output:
11.29
